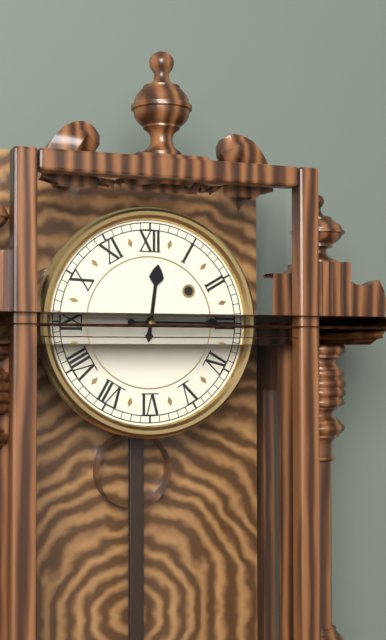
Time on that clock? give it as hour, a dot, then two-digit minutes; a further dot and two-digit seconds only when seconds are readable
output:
12.15
